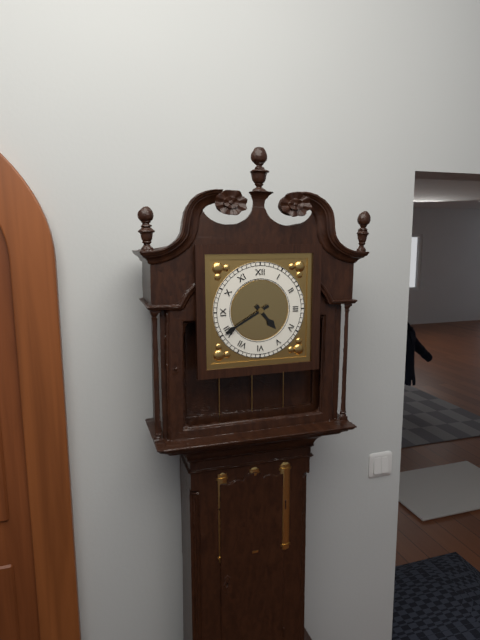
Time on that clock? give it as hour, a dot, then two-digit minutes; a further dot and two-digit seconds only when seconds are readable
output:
4.40
